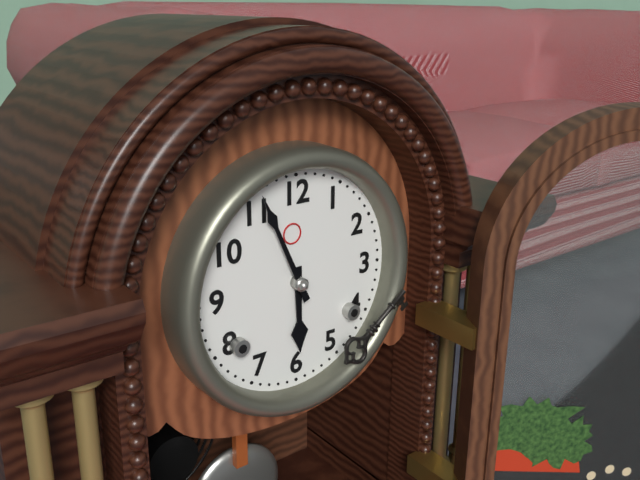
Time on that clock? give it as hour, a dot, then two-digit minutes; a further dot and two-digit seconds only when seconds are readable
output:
5.56
